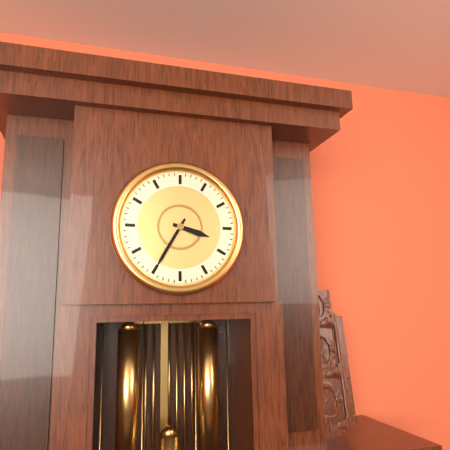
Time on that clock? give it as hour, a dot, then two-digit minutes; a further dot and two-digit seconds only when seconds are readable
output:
3.35
